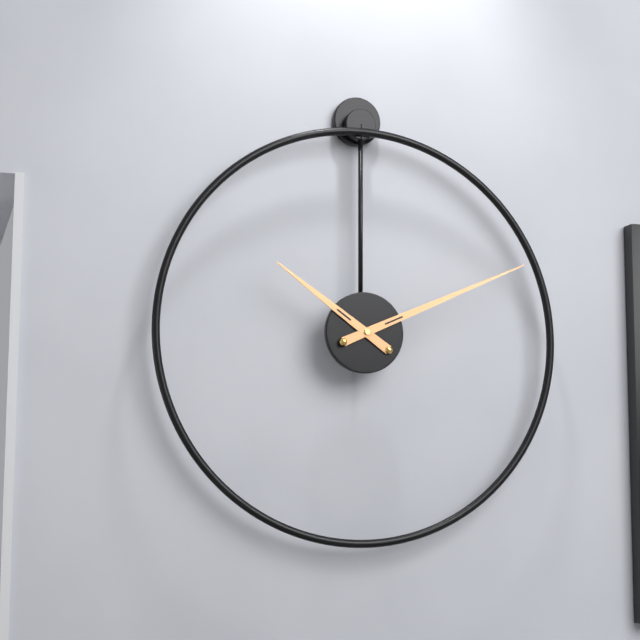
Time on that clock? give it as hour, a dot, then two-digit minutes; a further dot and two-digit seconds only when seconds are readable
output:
10.11
